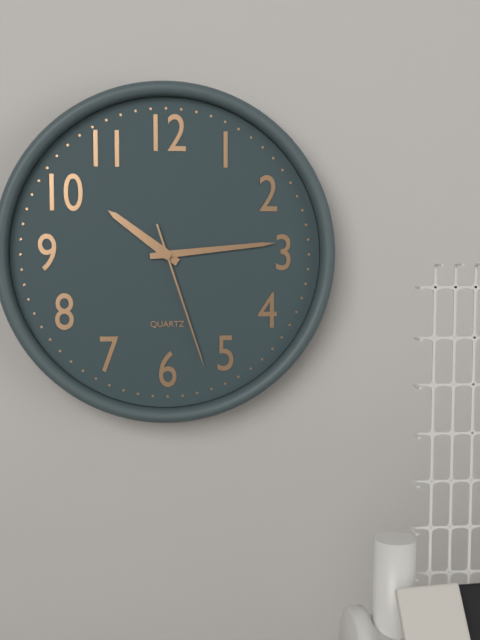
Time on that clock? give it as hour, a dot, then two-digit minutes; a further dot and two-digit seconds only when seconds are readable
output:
10.14.27
